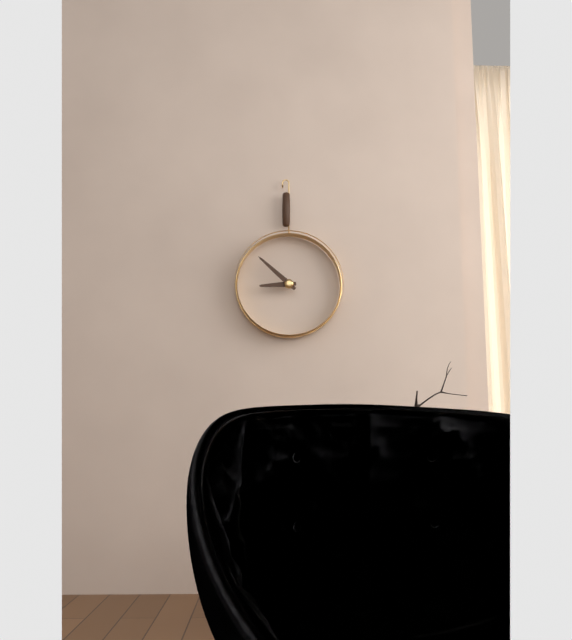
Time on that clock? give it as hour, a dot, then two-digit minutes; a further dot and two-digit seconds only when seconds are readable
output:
8.52
